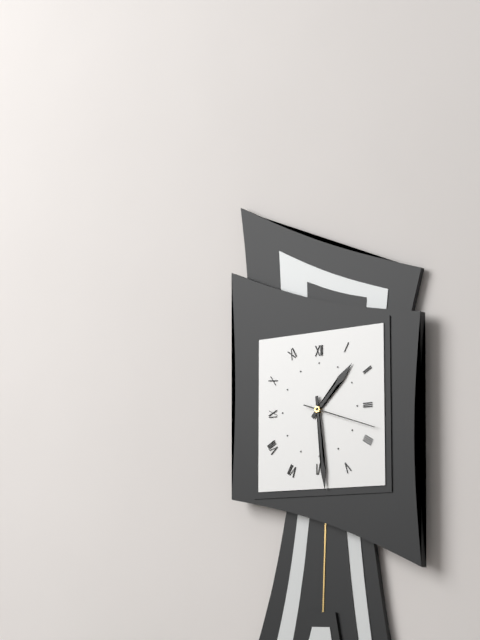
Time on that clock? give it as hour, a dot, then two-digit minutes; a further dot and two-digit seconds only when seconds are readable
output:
1.29.18
